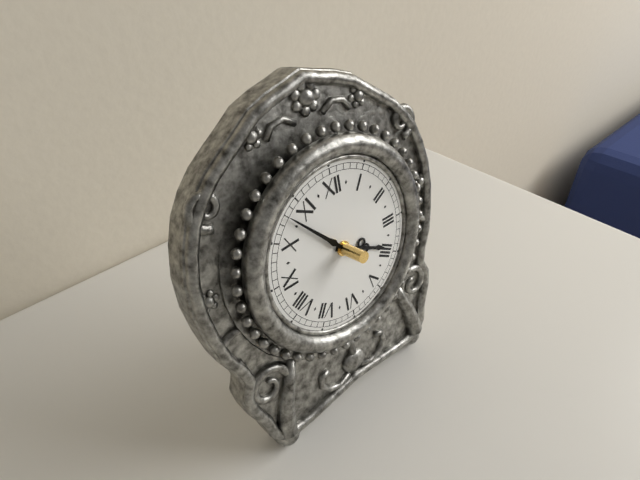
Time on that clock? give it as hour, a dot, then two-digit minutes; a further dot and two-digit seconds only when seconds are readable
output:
3.53
